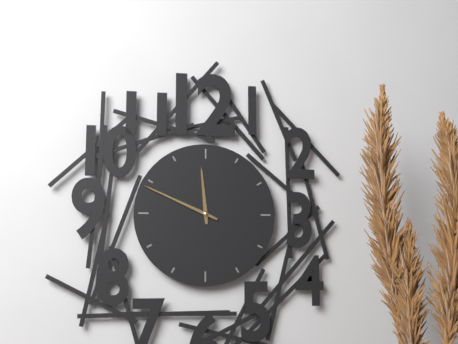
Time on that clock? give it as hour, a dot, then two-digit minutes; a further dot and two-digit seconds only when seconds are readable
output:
11.49
